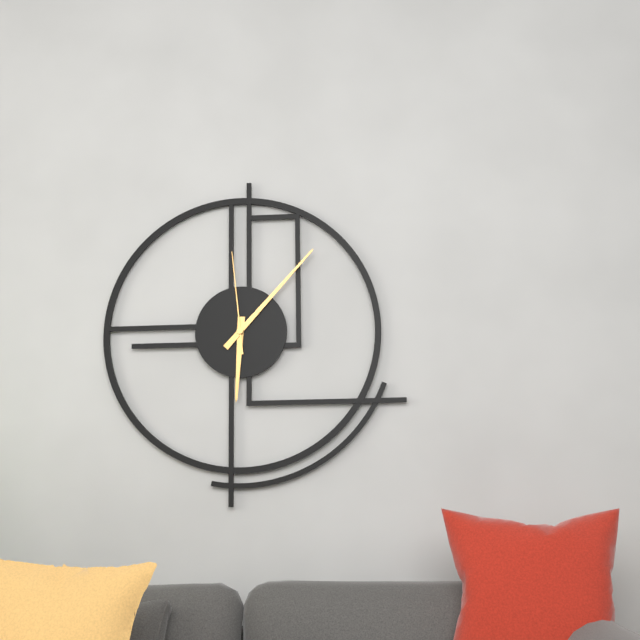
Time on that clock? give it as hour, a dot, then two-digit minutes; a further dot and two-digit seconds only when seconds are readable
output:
6.07.59
